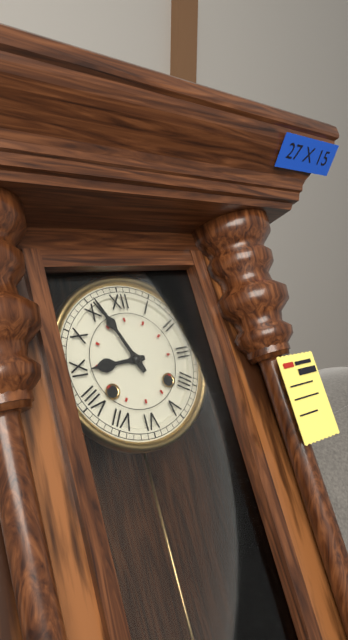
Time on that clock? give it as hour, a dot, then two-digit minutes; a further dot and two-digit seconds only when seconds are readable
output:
8.56
